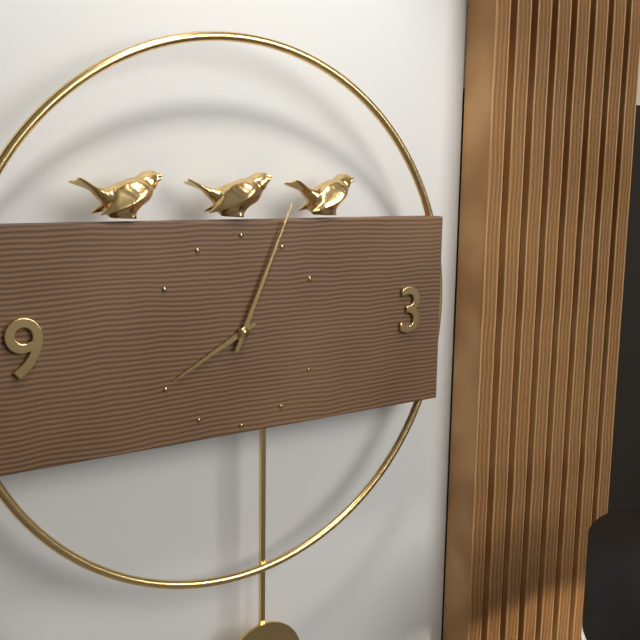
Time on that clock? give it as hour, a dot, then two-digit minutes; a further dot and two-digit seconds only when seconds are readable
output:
8.04
